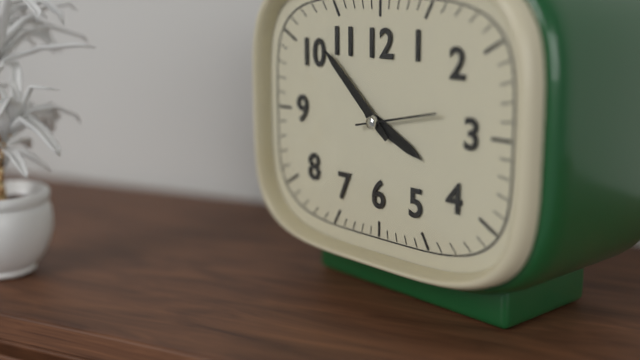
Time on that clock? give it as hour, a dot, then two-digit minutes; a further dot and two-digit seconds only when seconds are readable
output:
3.52.13
